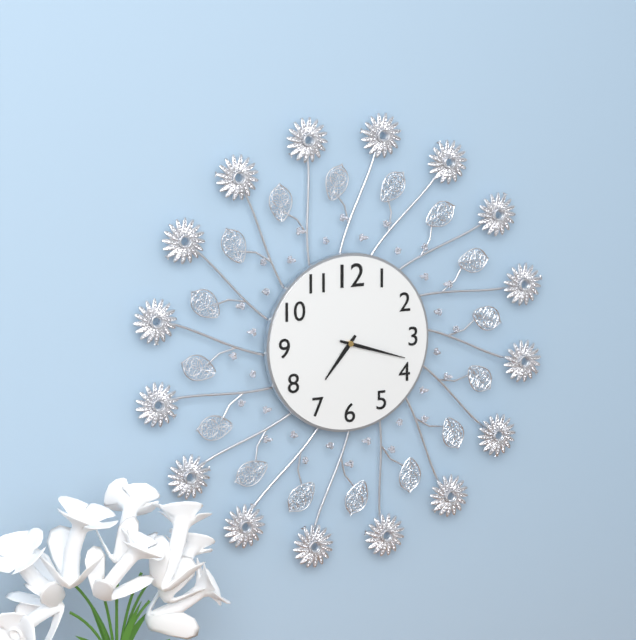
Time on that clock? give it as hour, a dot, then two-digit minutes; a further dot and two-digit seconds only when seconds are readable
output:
7.18
